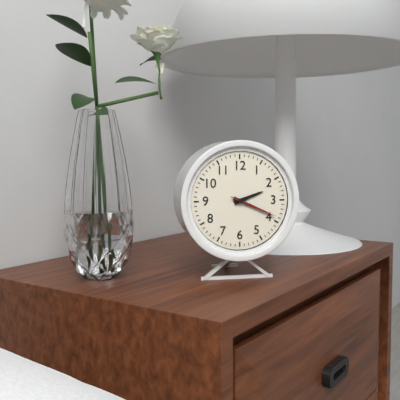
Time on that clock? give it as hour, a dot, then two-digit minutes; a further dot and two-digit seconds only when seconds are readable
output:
2.19.19
